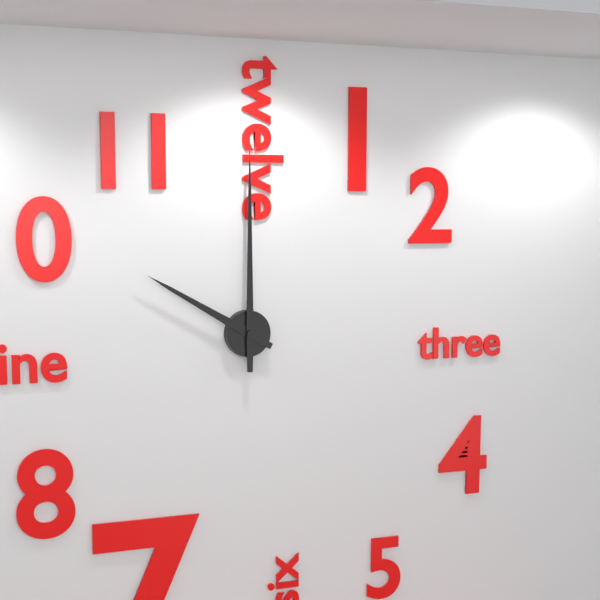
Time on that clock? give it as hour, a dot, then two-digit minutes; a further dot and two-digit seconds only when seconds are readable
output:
10.00
